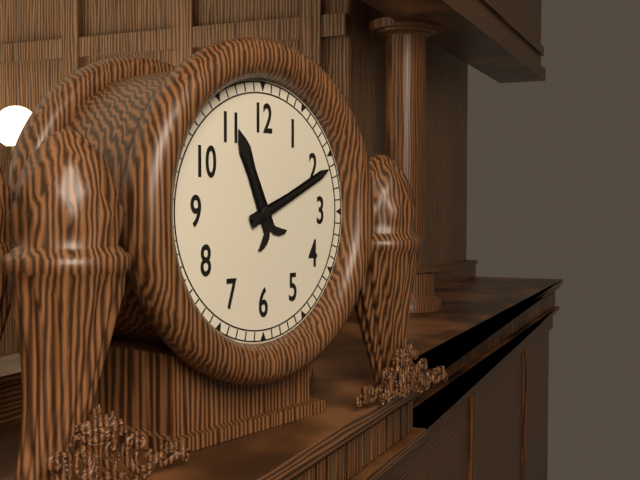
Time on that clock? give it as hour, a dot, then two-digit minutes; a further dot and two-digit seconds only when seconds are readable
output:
11.11
